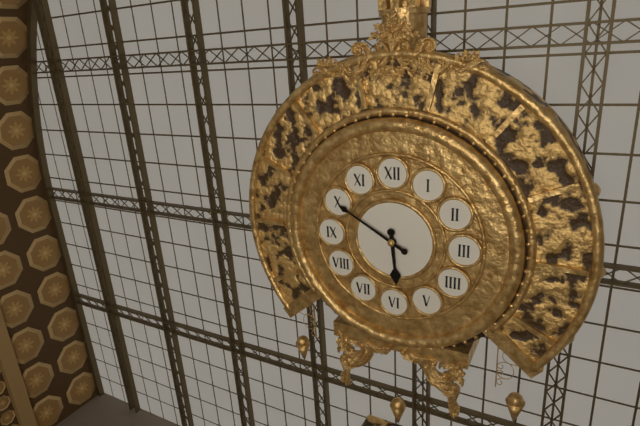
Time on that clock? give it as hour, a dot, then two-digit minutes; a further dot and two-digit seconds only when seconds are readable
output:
5.50
